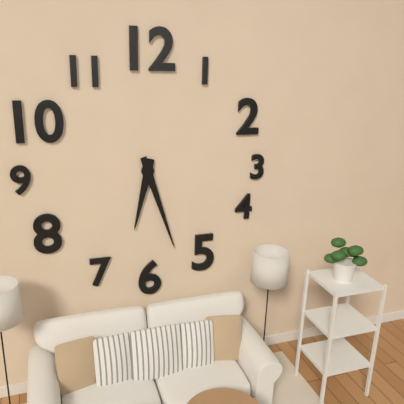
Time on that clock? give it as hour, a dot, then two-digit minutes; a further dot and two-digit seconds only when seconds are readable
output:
6.27
